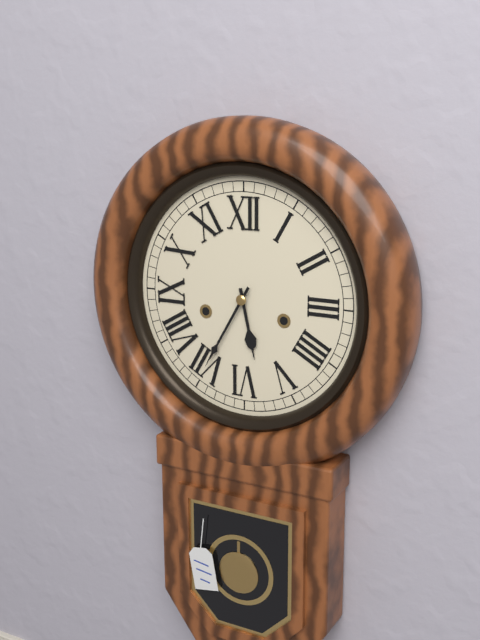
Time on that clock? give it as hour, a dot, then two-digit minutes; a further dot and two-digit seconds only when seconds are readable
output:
5.35
